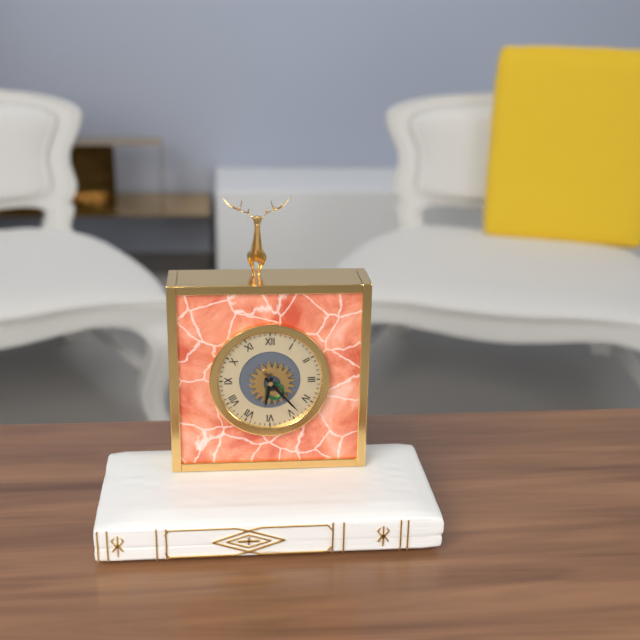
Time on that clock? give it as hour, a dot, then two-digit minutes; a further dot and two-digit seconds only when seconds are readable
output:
6.23
